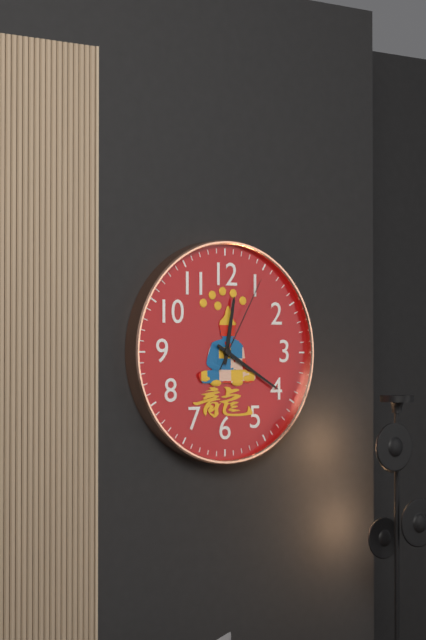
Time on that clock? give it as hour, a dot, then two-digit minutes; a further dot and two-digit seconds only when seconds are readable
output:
12.20.05
